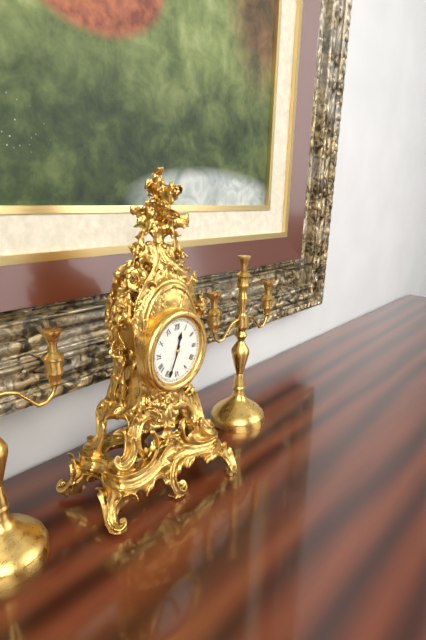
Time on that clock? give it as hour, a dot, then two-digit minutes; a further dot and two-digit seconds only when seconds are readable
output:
12.34
